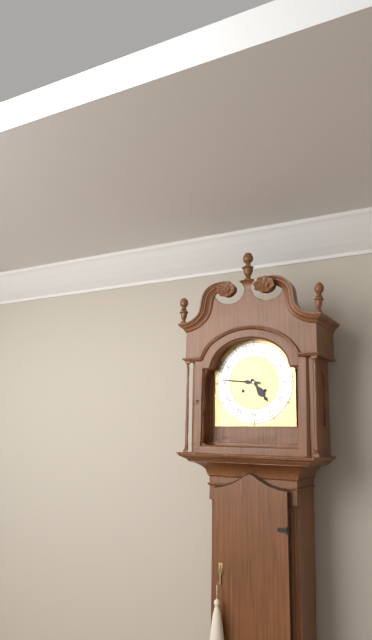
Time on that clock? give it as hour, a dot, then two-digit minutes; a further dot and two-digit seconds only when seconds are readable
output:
4.46
